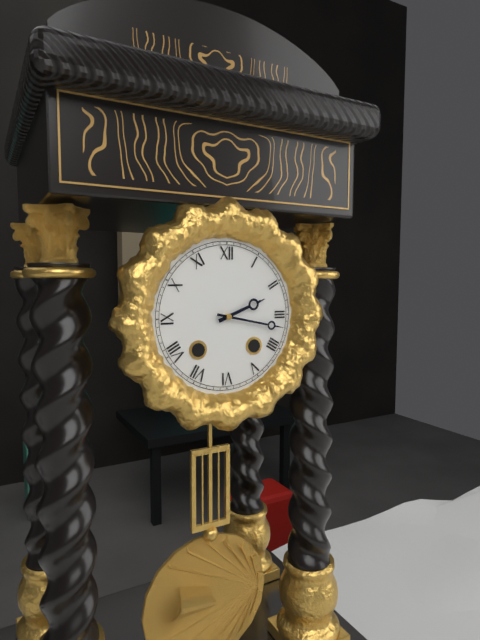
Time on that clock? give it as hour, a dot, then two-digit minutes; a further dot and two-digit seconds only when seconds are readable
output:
2.17
